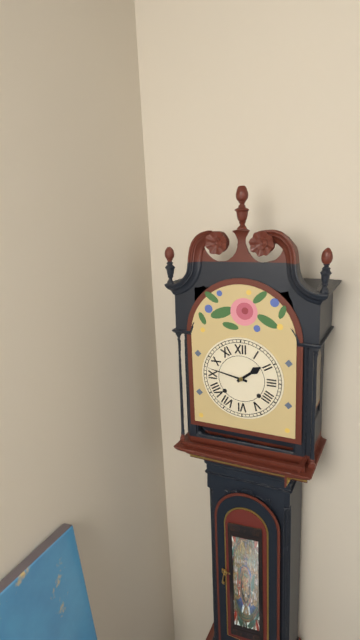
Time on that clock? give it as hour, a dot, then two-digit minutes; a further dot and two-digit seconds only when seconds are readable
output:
1.47
